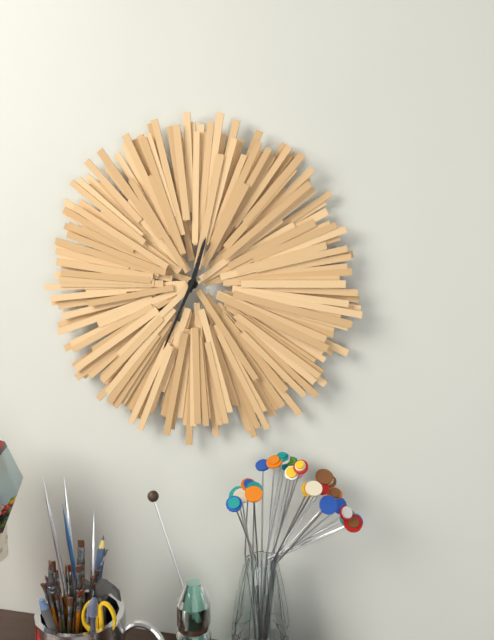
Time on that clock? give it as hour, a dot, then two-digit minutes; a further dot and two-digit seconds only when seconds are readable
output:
12.34
